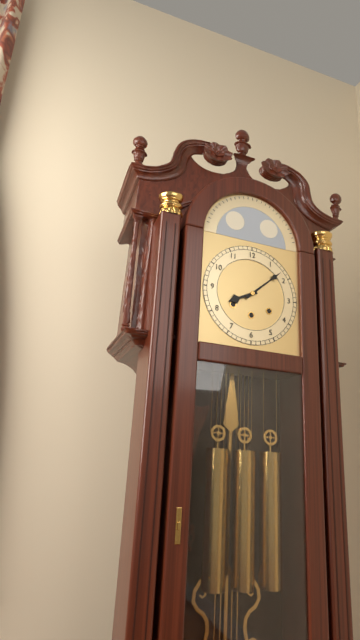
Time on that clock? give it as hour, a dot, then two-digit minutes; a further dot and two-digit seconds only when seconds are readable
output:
8.08
